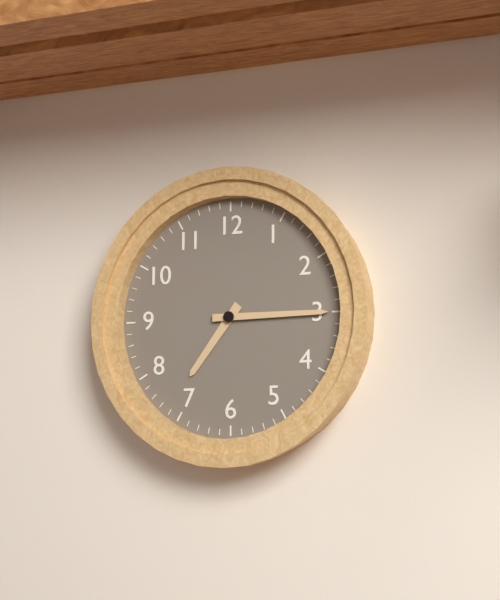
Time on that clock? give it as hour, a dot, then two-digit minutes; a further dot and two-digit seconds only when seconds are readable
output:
7.15
